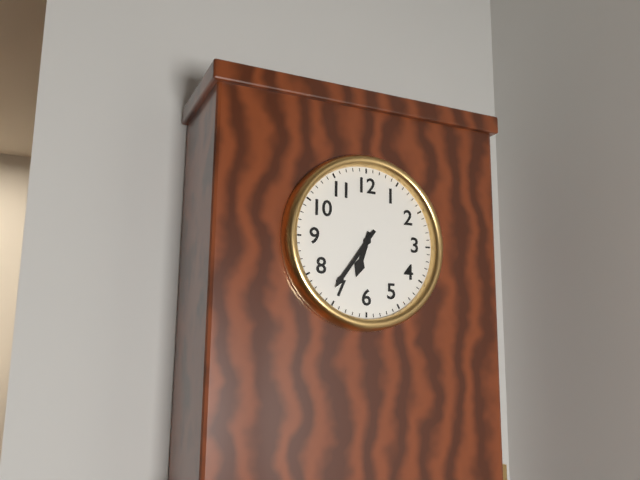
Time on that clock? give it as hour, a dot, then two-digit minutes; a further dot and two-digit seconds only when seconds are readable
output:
6.36
